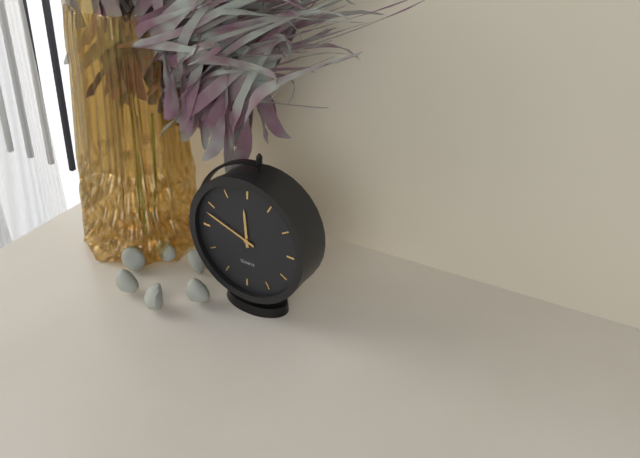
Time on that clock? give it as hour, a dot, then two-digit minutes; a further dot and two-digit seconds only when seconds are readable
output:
11.48
